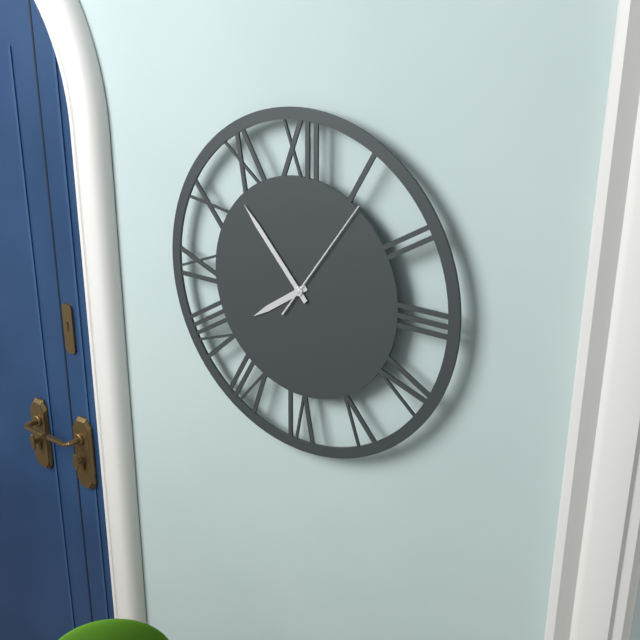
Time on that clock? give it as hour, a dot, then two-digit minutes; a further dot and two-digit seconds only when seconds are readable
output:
7.53.06
